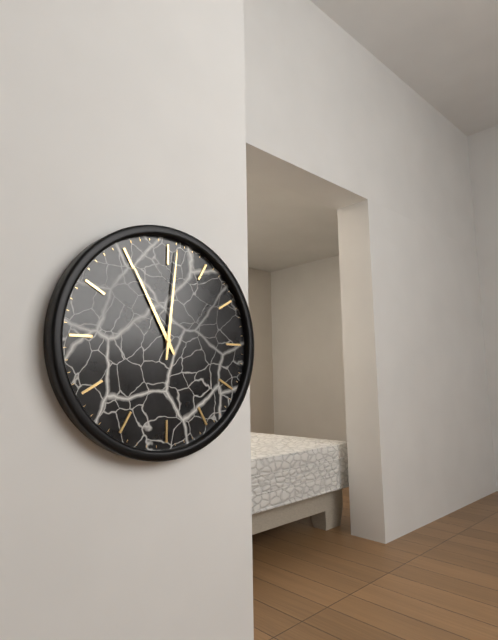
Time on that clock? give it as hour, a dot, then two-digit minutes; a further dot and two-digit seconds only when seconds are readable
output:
11.01
